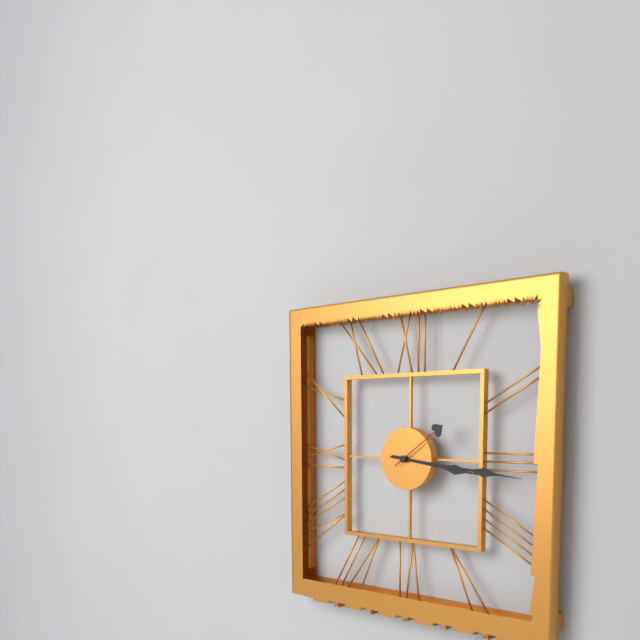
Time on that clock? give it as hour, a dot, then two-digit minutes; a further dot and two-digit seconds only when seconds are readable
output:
3.16.09
